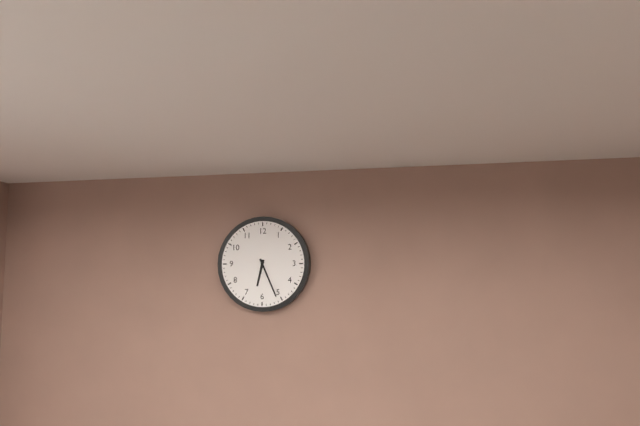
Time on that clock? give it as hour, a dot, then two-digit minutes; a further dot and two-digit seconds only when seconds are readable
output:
6.26
